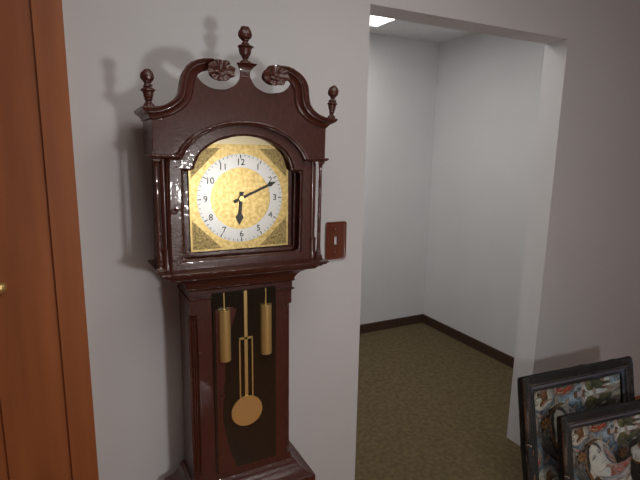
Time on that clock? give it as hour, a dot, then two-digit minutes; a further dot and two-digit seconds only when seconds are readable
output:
6.11
